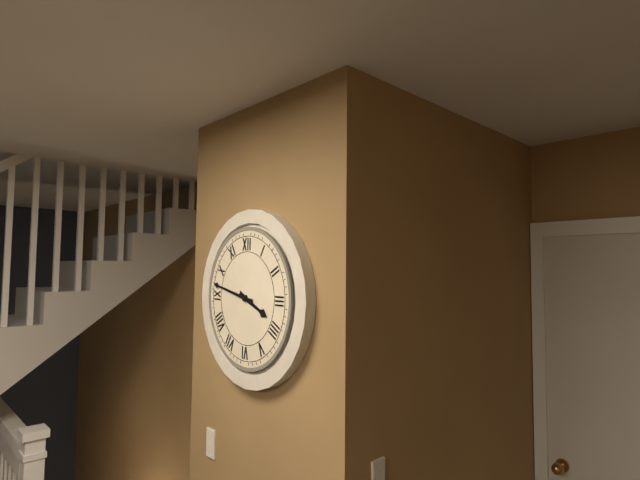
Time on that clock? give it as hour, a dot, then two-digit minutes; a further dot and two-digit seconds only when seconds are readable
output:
3.47
